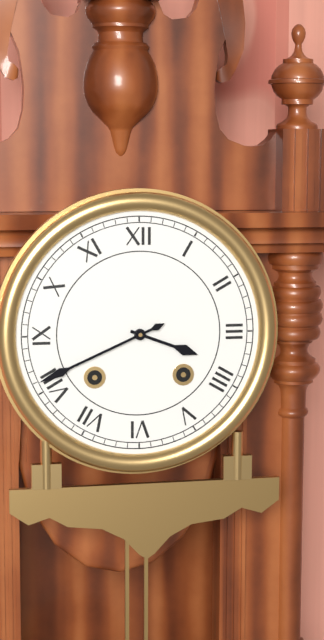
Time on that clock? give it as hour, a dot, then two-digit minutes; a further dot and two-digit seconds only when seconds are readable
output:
3.41
